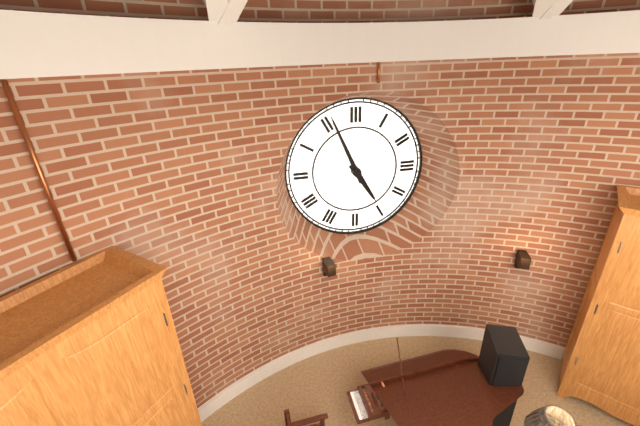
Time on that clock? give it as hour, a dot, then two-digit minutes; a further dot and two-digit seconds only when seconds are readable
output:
4.56
